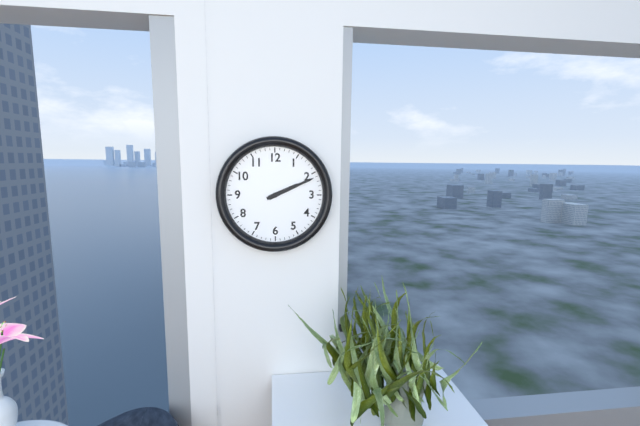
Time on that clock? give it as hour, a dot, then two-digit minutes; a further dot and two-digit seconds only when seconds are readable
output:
2.11
